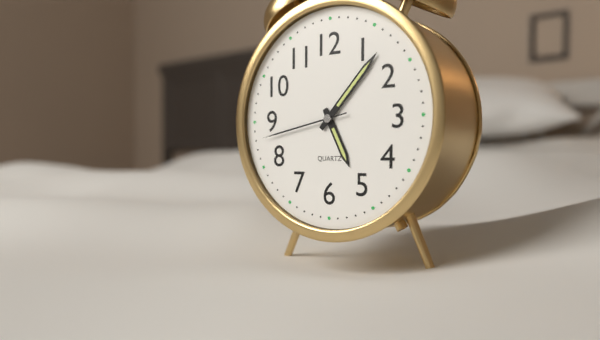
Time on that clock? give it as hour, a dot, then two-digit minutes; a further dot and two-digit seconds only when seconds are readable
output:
5.07.43
